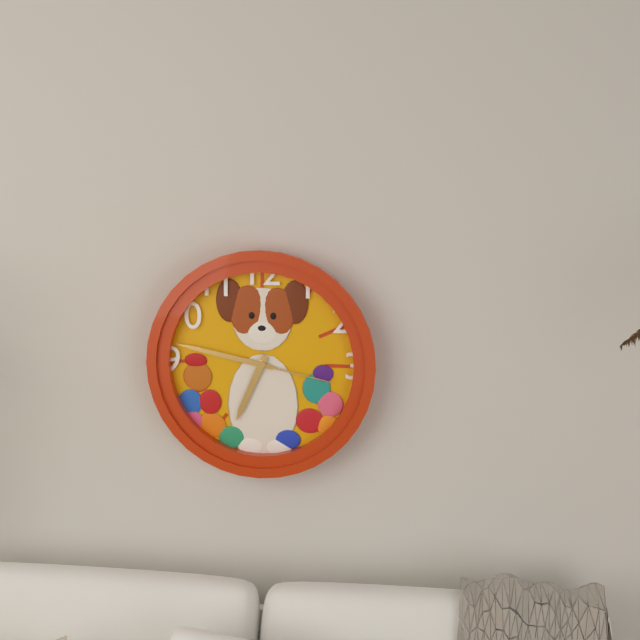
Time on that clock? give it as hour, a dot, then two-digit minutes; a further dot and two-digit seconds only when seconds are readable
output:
6.47.17
